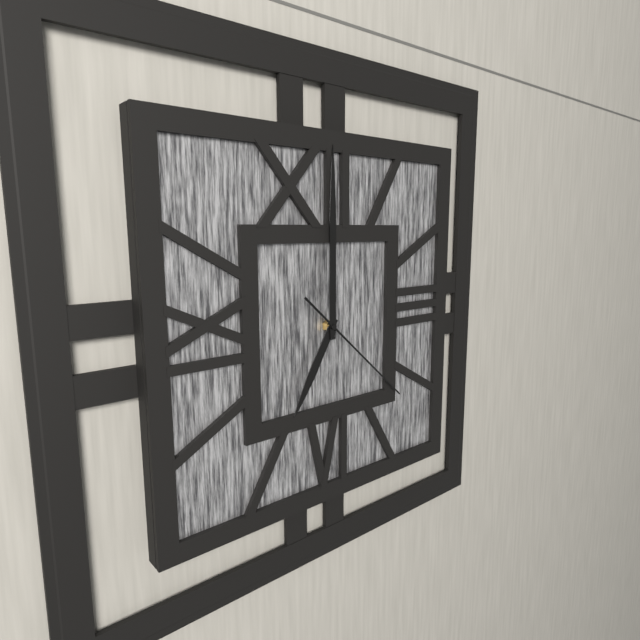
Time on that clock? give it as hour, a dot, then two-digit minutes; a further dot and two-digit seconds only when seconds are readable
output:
7.00.22
